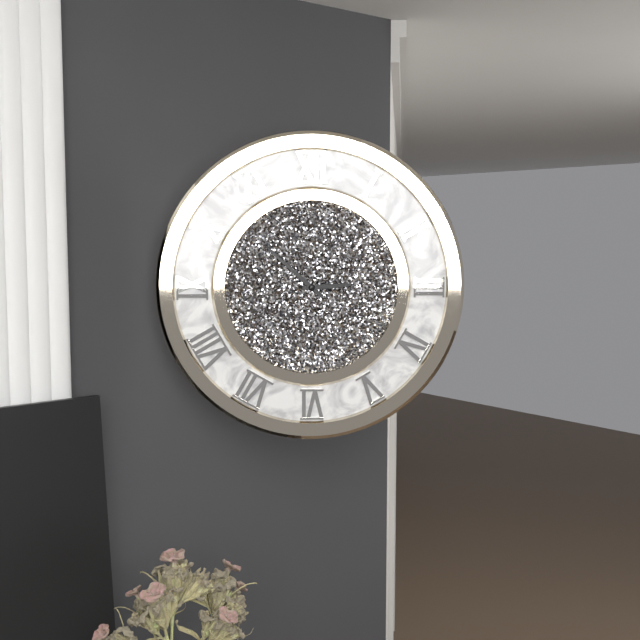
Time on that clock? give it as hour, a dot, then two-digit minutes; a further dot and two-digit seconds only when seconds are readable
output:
2.52
